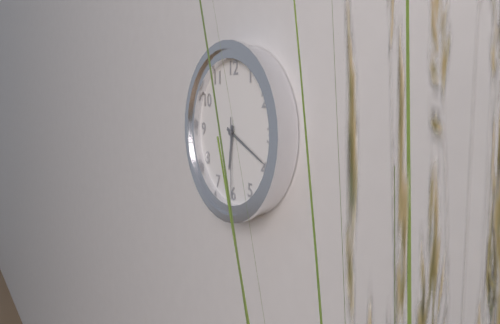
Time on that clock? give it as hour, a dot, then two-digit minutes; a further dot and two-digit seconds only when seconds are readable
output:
6.19.30
